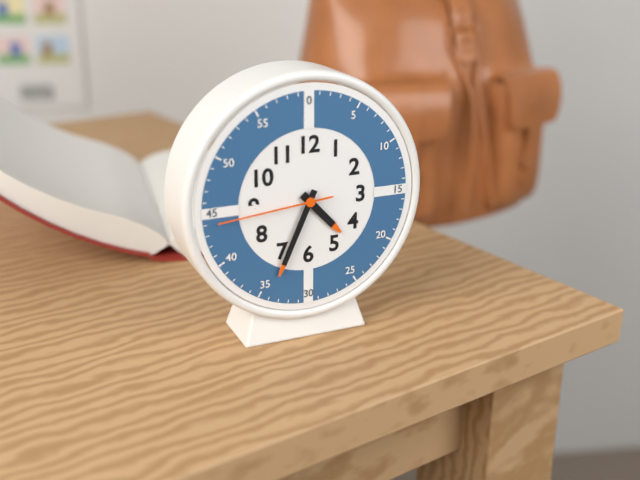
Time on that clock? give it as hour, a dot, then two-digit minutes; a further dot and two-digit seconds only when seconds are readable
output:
4.34.44
